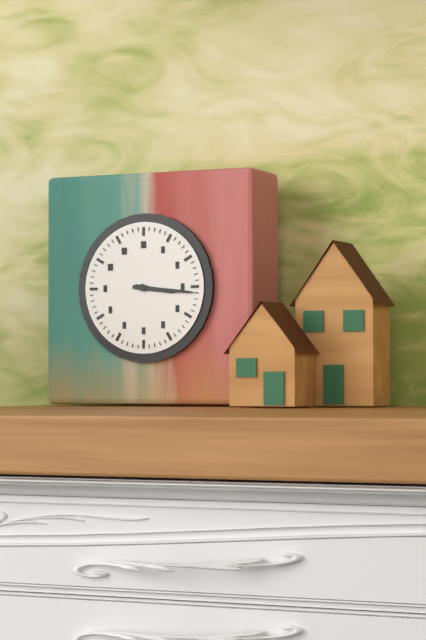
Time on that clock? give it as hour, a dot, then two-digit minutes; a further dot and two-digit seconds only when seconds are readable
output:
3.16
